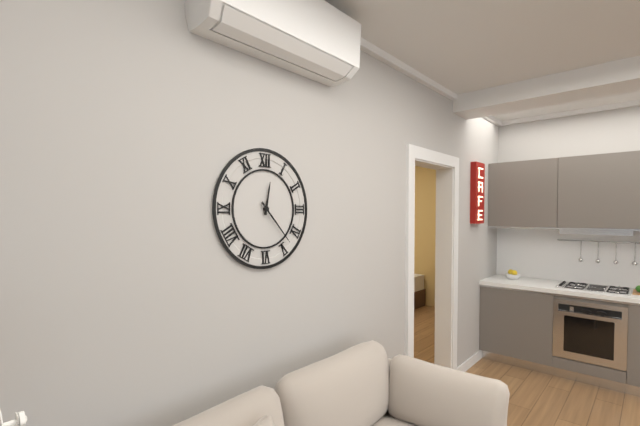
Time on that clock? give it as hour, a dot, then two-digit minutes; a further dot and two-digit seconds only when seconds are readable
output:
12.23
